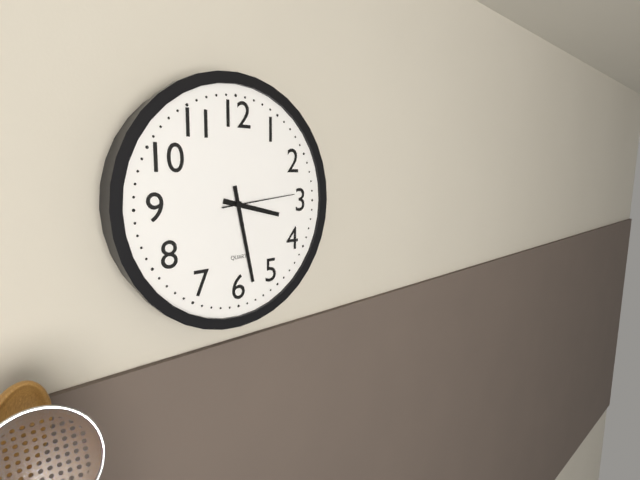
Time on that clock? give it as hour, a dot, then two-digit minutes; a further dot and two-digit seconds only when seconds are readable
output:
3.28.14
